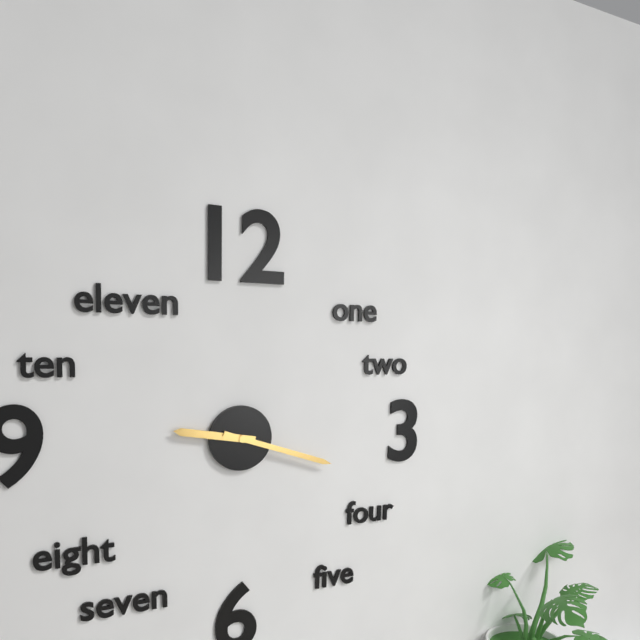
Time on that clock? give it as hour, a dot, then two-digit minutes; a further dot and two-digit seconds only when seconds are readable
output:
9.18
